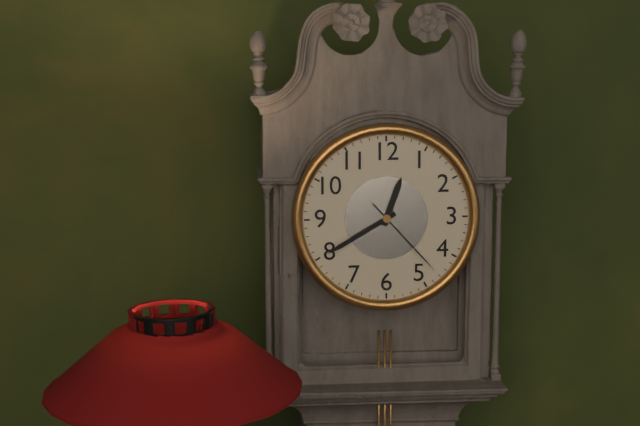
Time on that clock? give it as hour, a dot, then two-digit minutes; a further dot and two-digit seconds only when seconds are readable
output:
12.40.23
